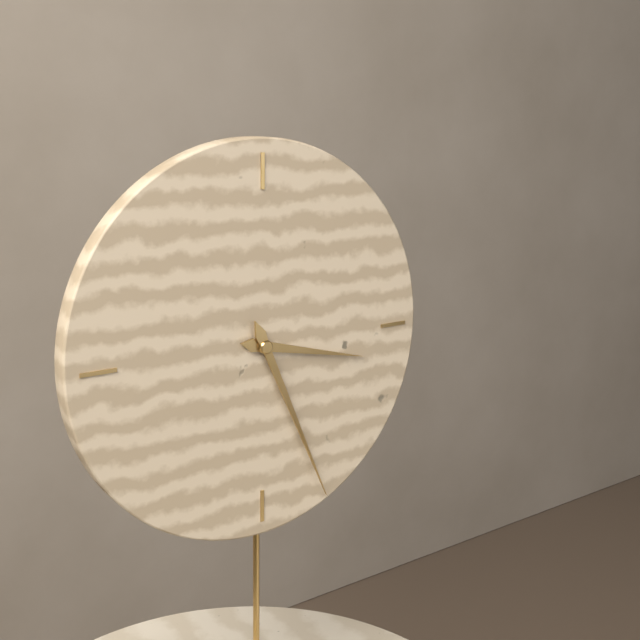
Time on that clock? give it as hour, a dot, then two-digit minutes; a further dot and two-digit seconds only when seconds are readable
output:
3.26
